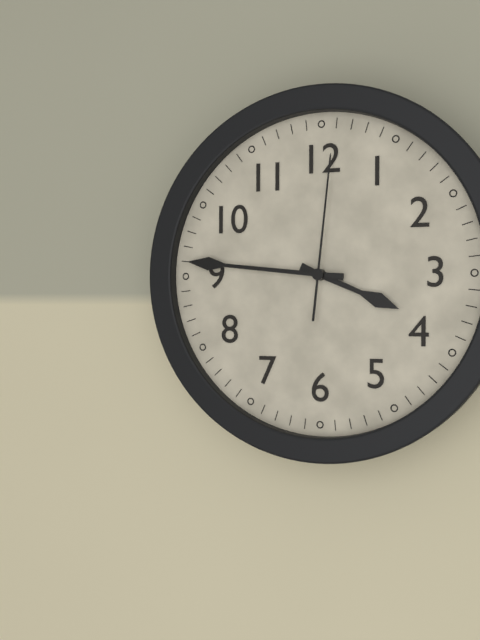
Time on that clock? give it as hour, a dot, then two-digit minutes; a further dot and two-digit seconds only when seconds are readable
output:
3.46.01
